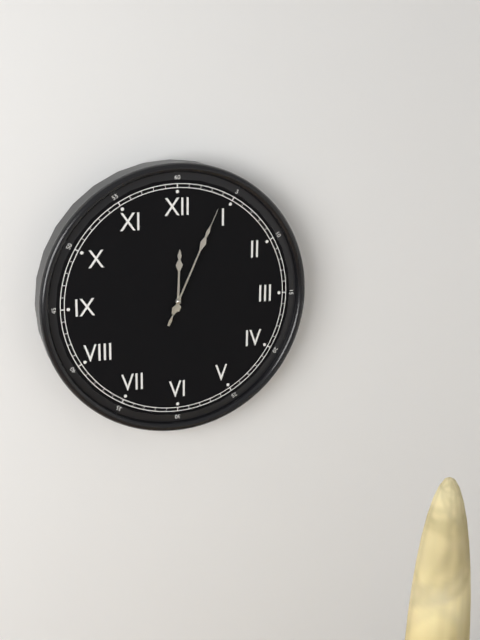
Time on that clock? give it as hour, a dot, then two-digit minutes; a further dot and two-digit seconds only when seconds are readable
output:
12.04.04
